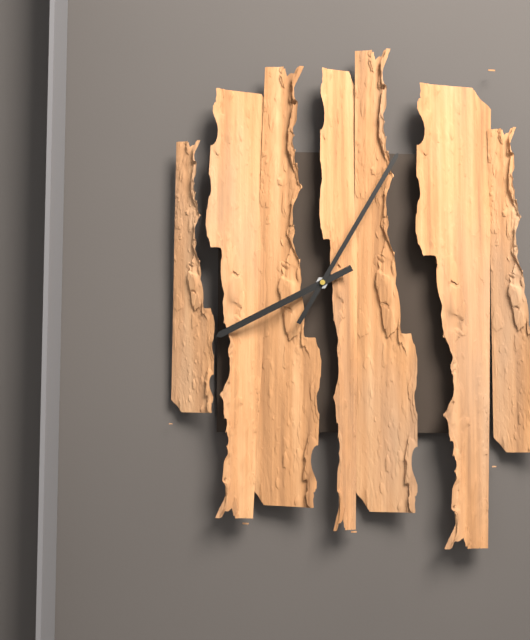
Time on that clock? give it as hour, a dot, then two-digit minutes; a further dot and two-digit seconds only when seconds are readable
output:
8.05
